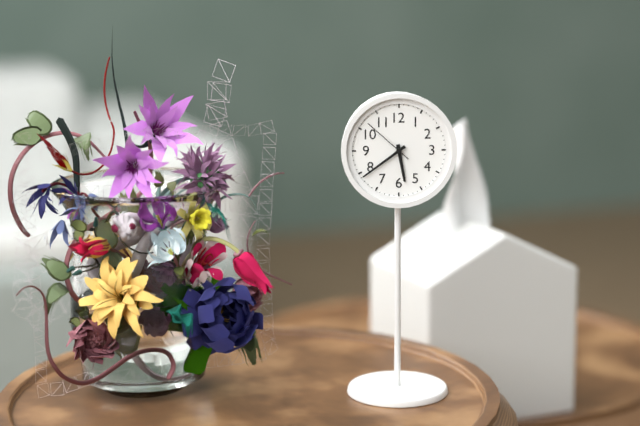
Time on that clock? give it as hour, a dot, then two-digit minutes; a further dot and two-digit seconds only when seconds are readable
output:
5.39.52
